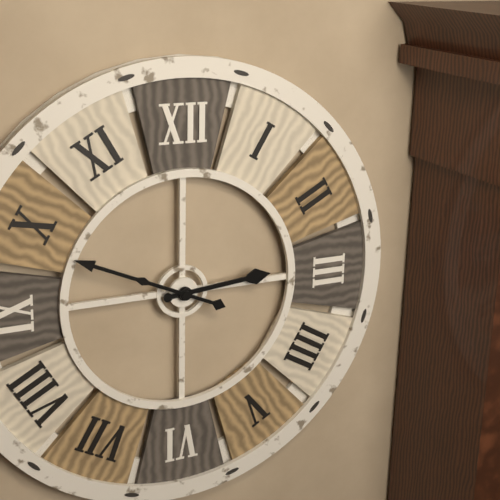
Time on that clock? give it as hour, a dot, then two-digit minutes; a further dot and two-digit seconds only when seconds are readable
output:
2.49
